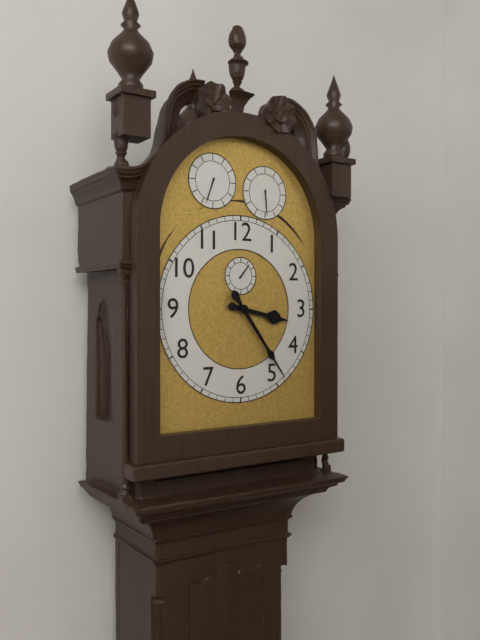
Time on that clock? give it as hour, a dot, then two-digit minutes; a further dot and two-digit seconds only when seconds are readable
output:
3.24
